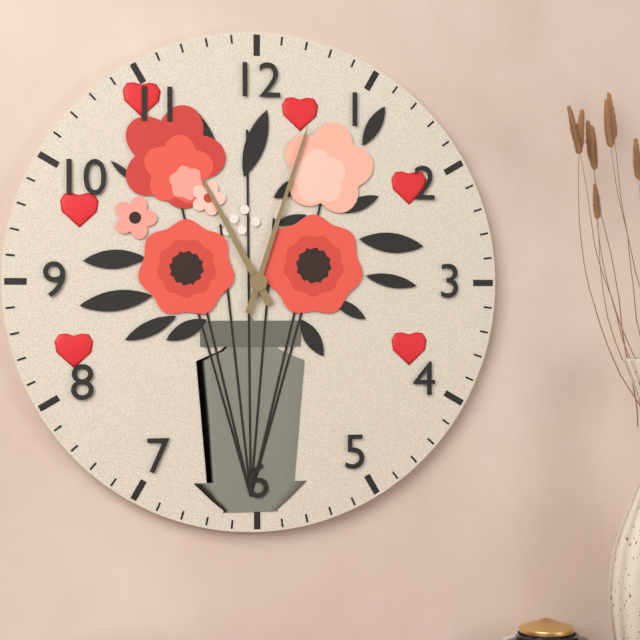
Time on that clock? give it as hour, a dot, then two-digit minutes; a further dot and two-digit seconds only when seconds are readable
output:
11.03
